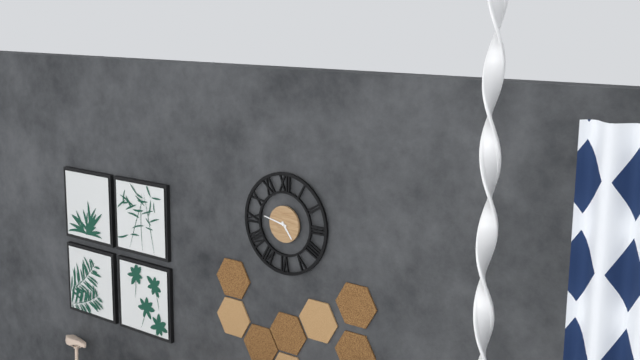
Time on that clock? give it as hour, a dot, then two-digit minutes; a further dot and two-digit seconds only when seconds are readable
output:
4.47
